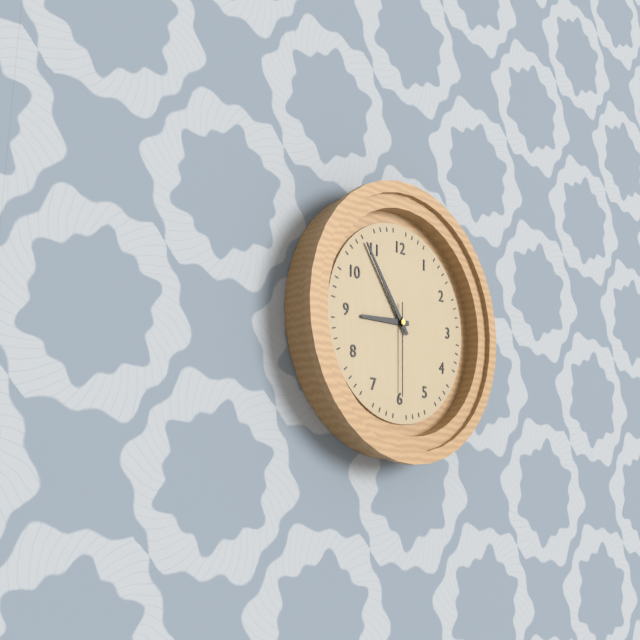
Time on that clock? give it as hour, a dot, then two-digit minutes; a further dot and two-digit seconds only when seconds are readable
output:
8.54.30
